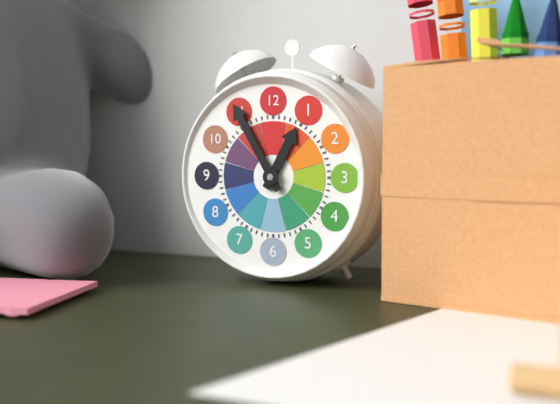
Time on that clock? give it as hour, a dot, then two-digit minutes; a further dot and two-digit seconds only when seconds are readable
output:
12.55
